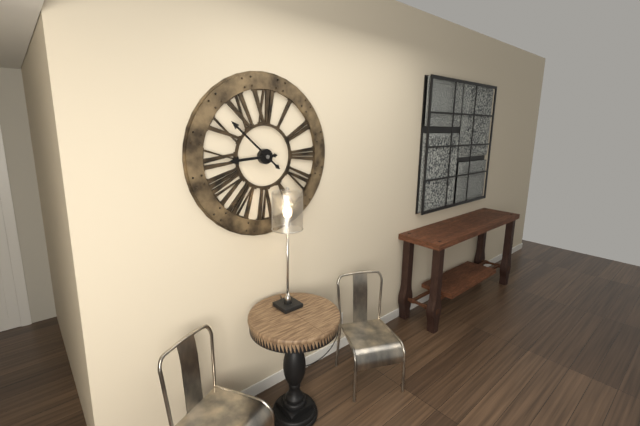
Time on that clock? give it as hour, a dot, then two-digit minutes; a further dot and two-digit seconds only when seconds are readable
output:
8.52
